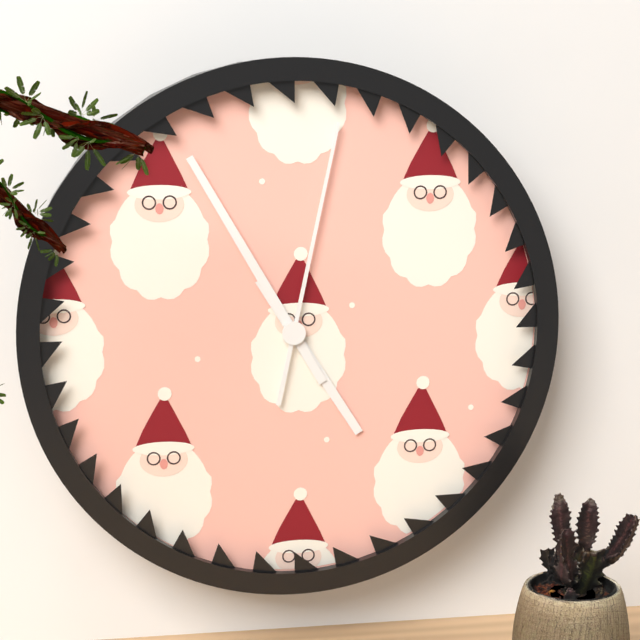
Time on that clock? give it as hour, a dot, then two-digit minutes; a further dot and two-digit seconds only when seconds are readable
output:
4.55.02
